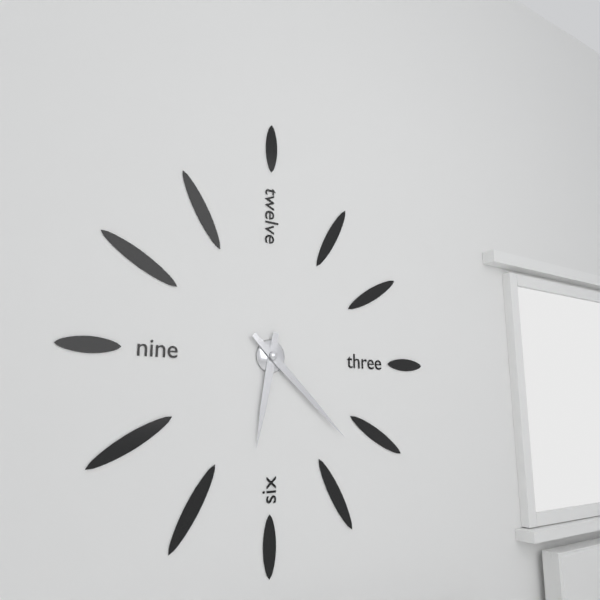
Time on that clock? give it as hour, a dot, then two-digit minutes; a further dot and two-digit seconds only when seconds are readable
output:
6.22
